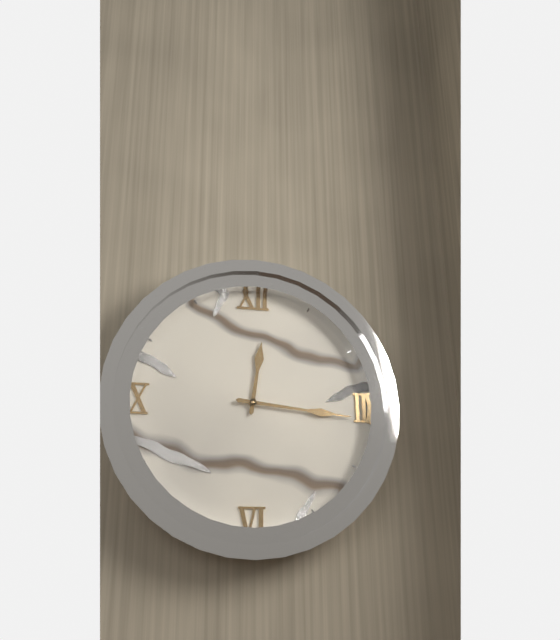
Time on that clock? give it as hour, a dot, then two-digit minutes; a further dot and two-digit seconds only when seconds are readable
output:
12.16
